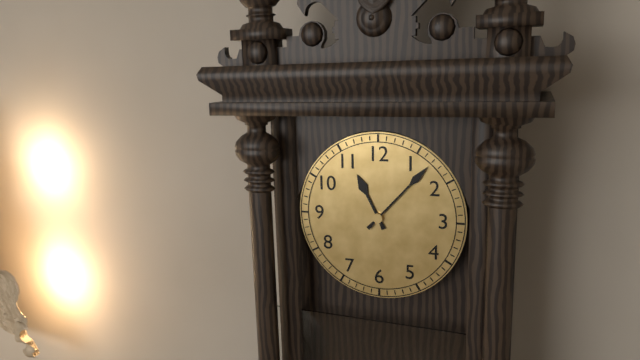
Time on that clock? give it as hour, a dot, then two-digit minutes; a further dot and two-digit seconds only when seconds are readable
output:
11.07
